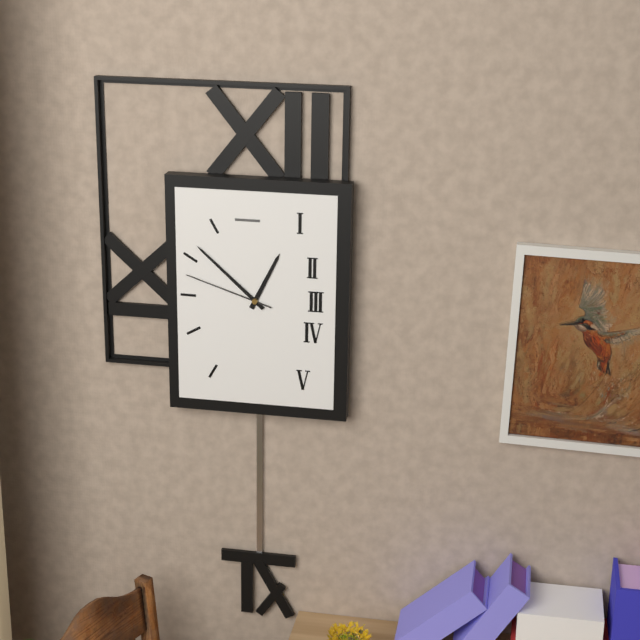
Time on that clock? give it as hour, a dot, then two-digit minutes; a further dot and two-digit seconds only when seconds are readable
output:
12.52.48
